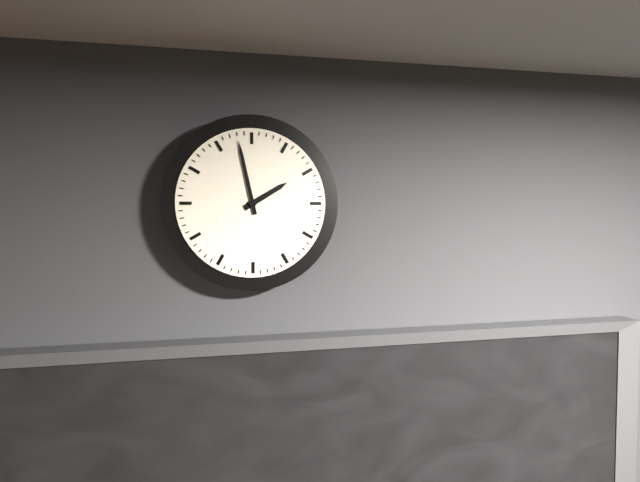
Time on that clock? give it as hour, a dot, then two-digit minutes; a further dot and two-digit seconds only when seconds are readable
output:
1.58
